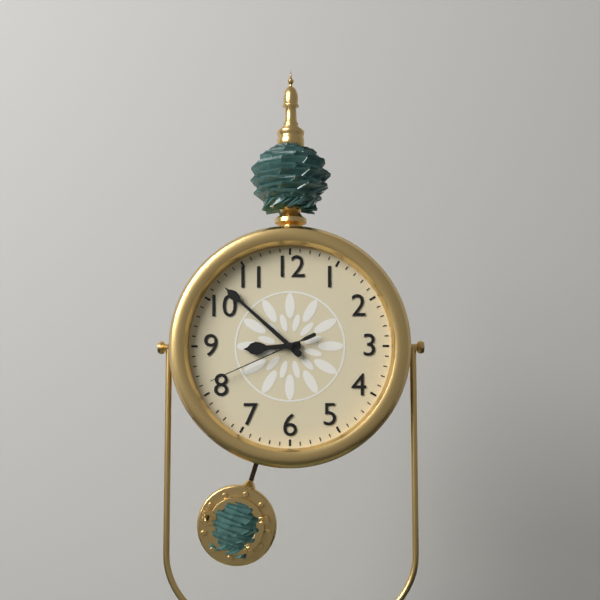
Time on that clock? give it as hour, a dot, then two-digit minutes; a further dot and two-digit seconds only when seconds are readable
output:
8.52.41
